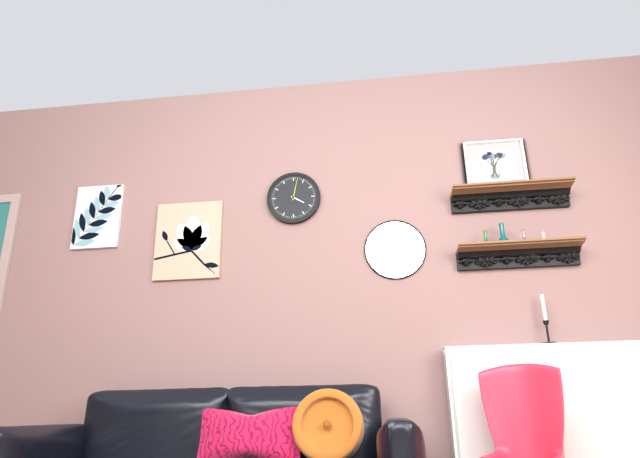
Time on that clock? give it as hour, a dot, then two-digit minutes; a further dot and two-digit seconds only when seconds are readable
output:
4.02
